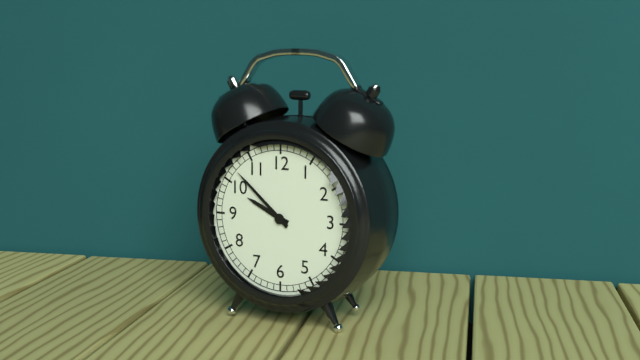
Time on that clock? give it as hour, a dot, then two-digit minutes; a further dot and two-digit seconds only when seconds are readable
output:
9.52
